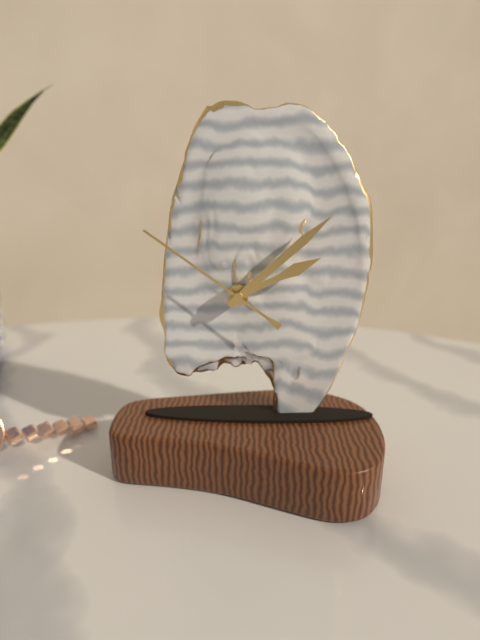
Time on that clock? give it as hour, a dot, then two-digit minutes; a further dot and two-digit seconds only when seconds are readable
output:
2.08.51
